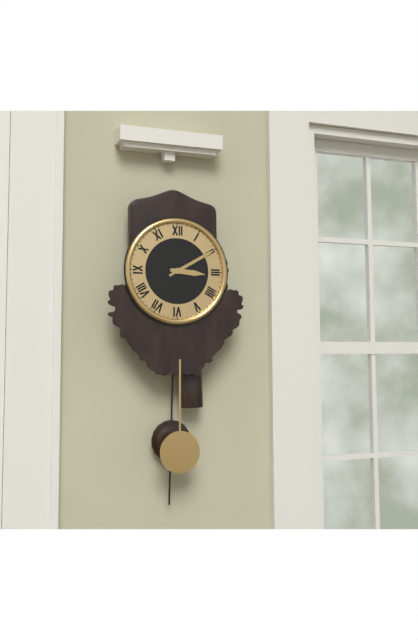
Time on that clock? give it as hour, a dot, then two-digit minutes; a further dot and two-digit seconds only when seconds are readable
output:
3.10
